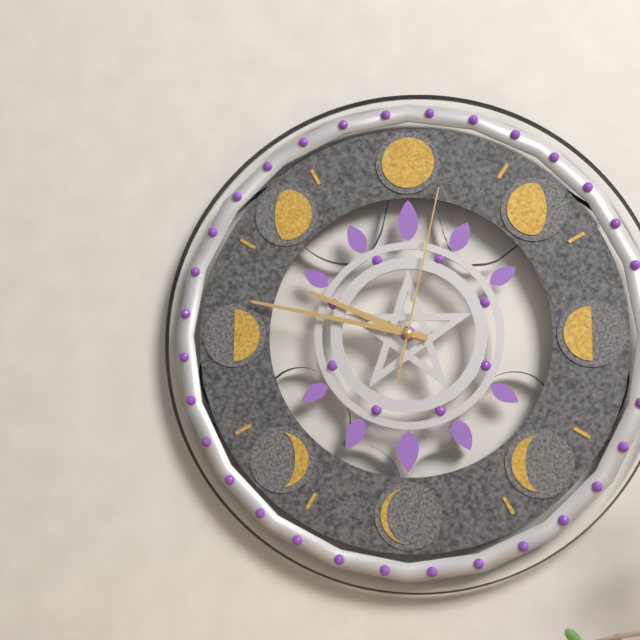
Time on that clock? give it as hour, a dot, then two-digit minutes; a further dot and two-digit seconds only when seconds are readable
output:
9.47.02
